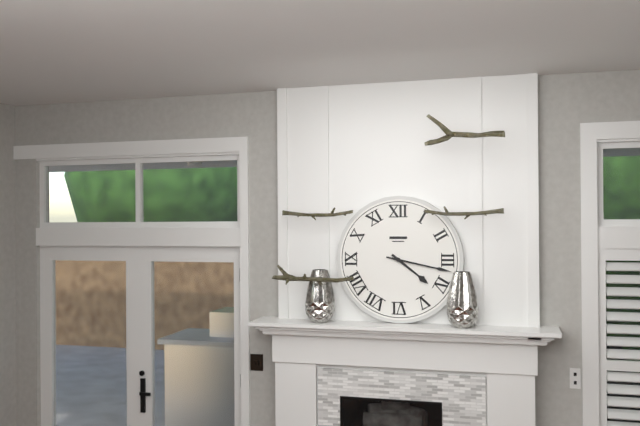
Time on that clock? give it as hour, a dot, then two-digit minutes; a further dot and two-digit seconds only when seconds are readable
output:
4.17
